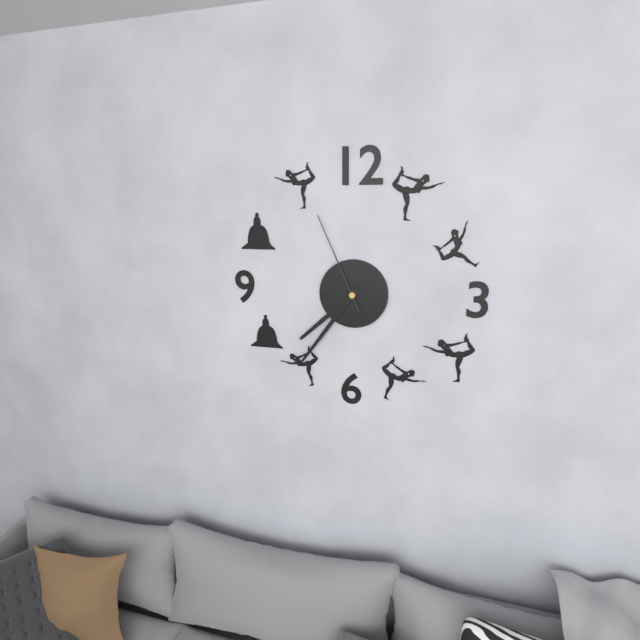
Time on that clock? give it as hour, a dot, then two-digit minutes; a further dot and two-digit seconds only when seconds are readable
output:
7.36.56
